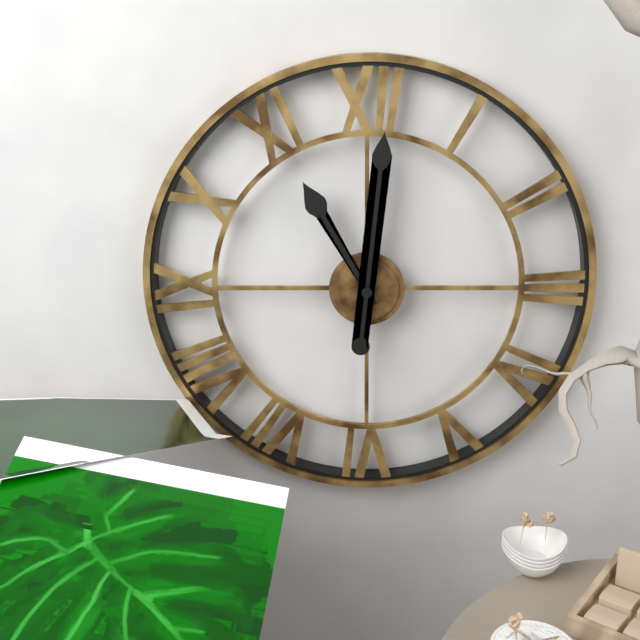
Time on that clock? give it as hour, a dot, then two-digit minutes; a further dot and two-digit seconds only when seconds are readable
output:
11.01
